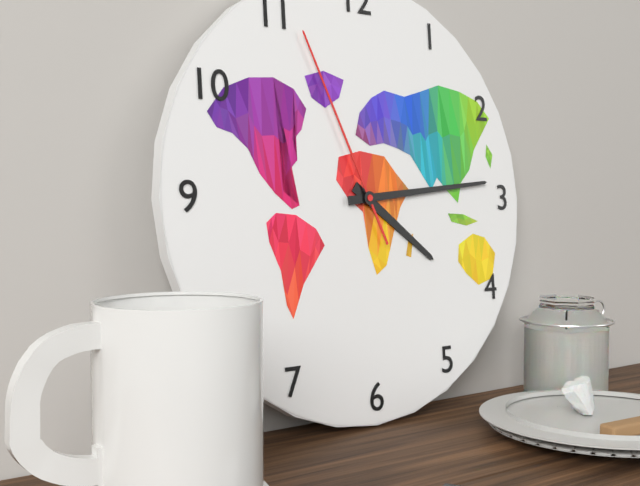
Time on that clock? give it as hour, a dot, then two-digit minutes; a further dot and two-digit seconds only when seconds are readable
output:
4.14.56
